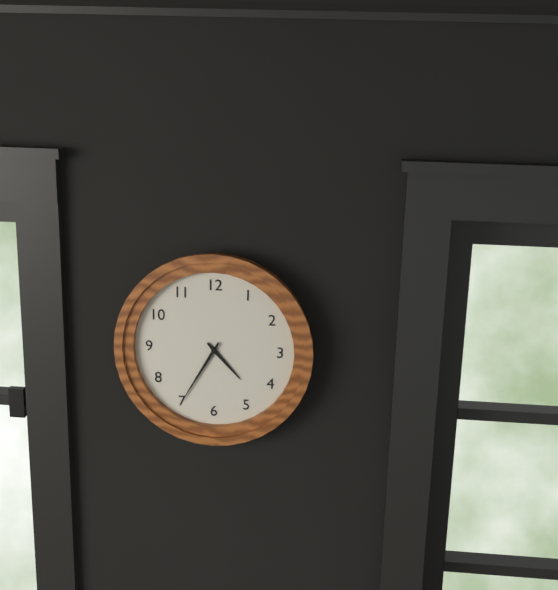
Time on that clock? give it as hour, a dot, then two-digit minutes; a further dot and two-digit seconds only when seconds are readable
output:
4.35
